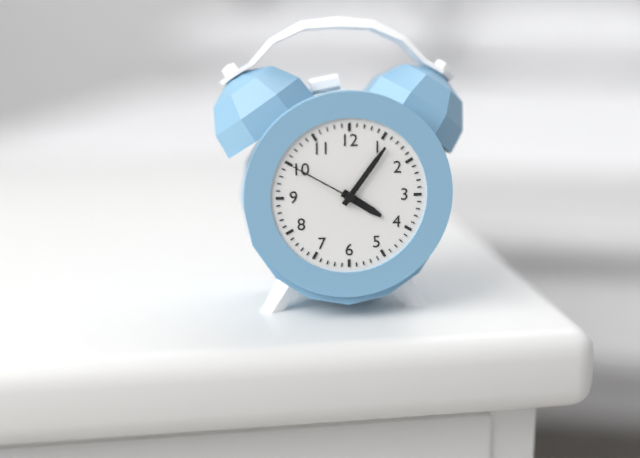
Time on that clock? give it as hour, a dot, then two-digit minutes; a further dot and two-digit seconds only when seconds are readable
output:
4.06.50
